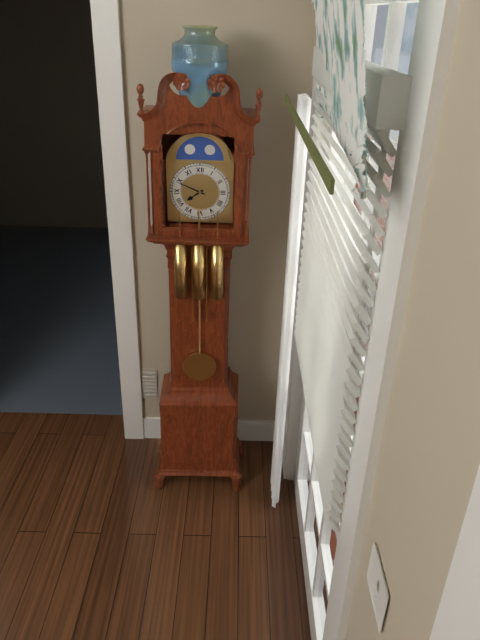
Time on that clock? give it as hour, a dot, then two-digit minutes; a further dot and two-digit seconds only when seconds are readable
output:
7.49
